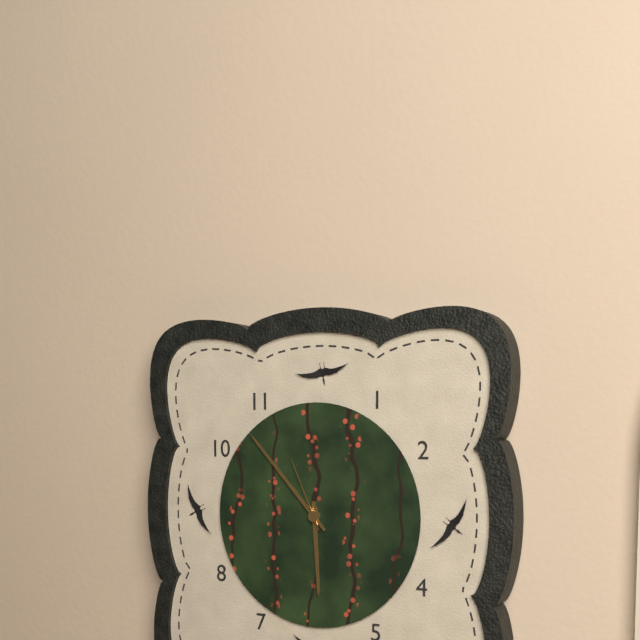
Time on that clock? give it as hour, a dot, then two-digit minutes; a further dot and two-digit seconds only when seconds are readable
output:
5.53.56
